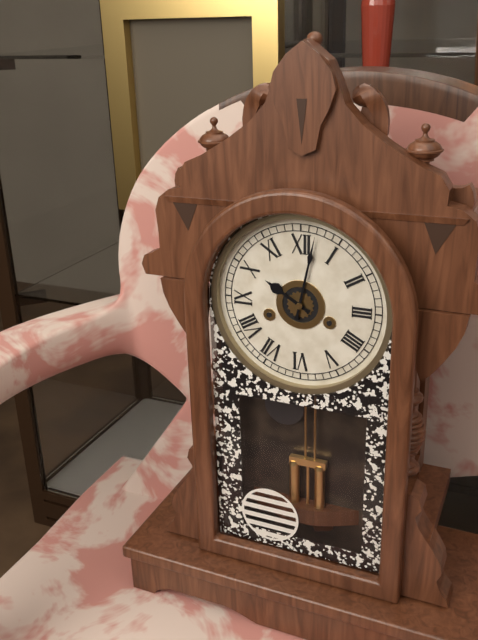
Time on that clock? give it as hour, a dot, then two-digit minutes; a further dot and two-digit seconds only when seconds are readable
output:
10.02
